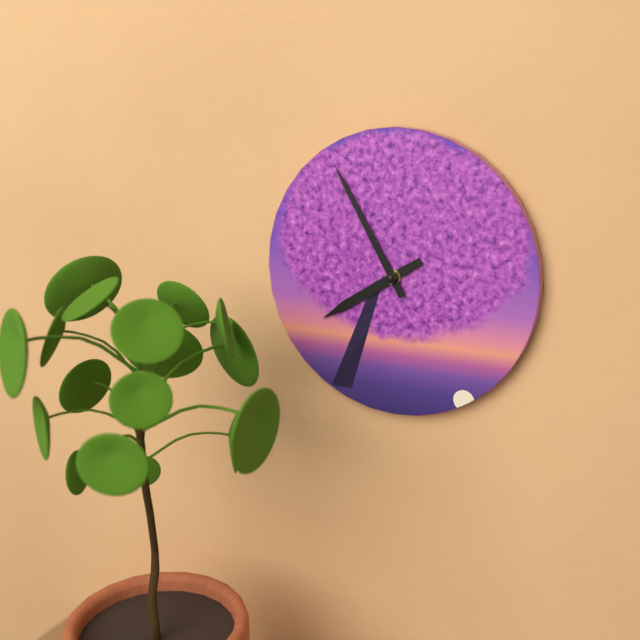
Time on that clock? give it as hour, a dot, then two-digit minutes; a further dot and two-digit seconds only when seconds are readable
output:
7.55
